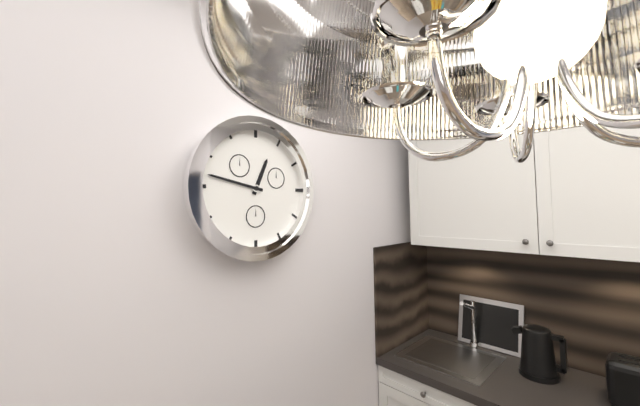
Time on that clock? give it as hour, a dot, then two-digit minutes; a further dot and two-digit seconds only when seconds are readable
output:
12.47
